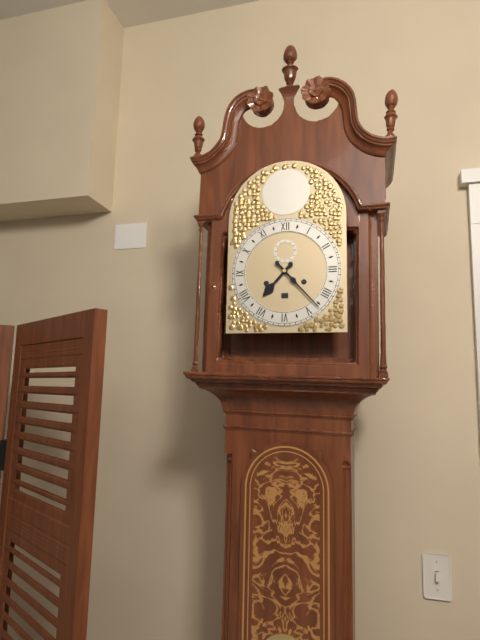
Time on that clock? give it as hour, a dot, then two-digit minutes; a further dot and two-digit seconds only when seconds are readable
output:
7.23
